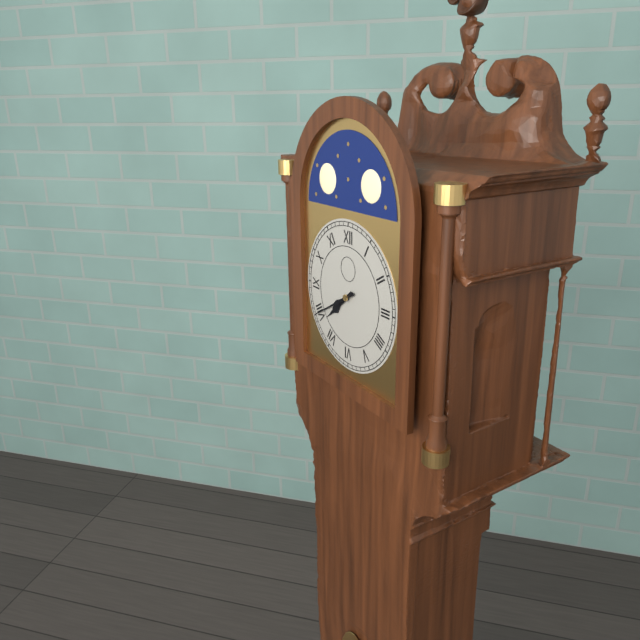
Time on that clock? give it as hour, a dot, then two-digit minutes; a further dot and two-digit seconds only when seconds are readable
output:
7.40
